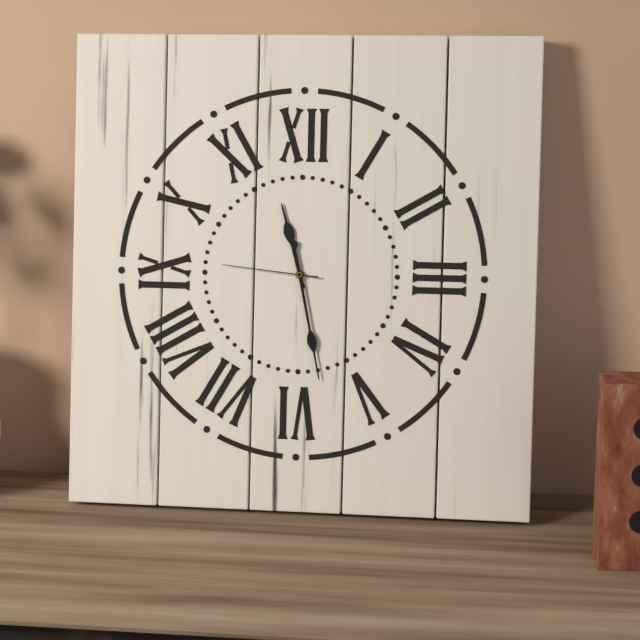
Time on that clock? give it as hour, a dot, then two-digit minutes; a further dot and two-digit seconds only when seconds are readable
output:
11.28.46
